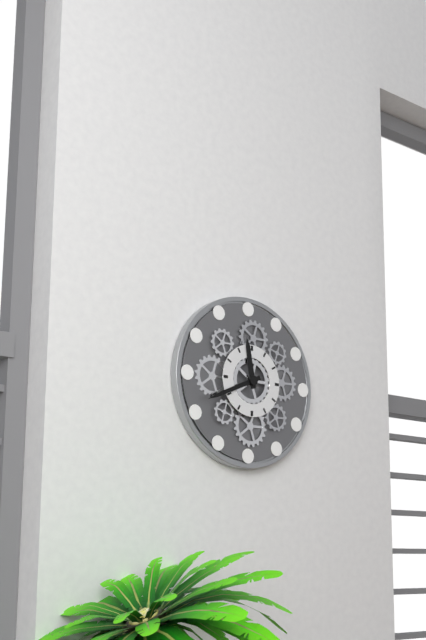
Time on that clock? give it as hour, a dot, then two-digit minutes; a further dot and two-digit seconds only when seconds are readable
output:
11.41
